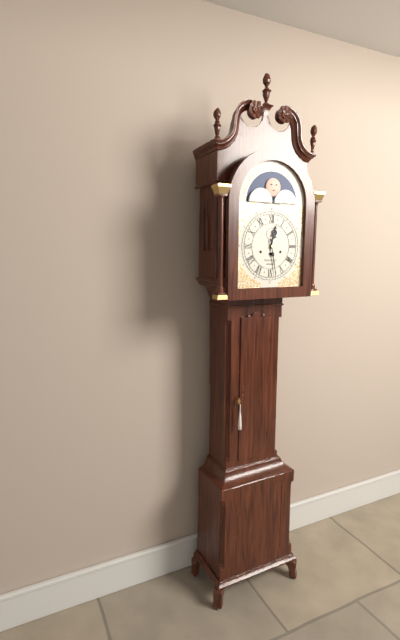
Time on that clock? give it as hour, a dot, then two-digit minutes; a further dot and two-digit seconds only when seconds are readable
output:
12.28
